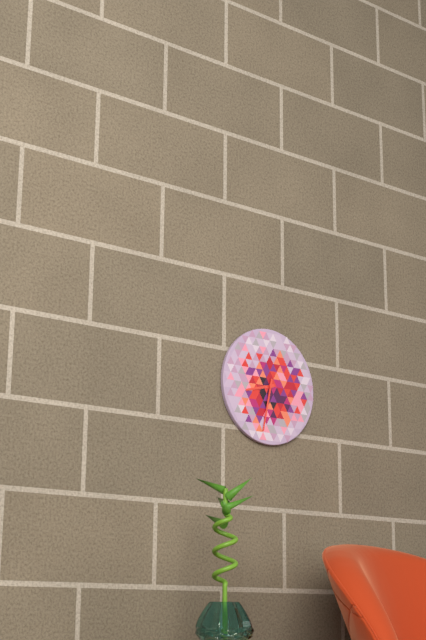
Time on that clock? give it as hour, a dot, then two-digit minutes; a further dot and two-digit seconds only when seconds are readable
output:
8.32
